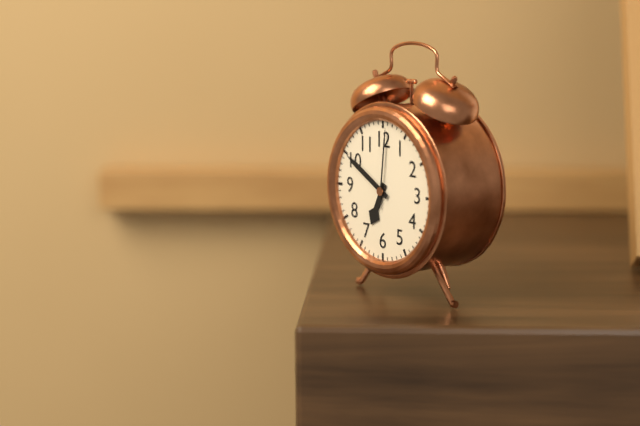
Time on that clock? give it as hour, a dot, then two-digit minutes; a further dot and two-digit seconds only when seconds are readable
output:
6.50.01
